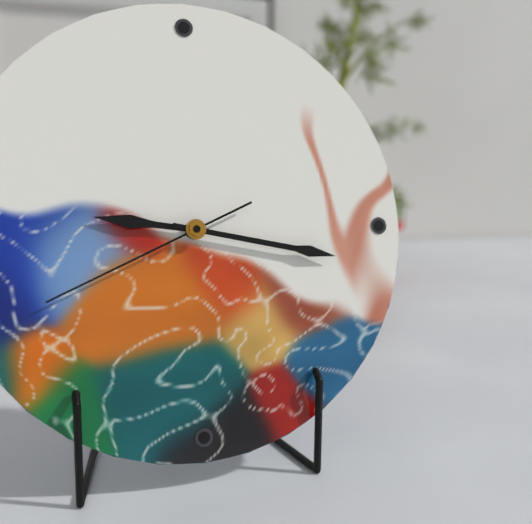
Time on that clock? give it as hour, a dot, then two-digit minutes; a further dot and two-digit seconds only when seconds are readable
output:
9.17.41
